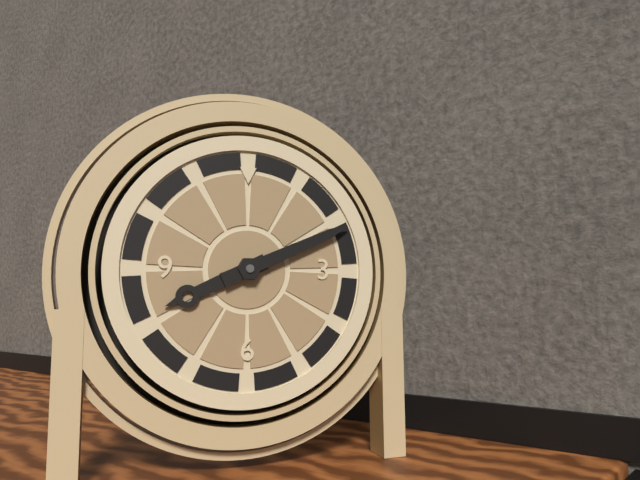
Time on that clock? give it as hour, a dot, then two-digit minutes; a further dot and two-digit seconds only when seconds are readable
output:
8.11
